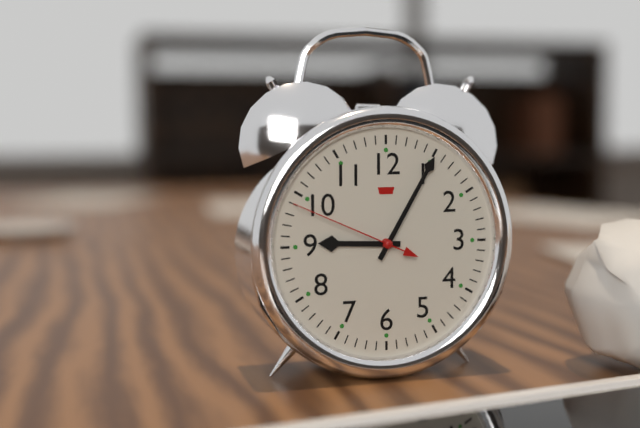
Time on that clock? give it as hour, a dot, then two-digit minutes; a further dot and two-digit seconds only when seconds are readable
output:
9.05.49
